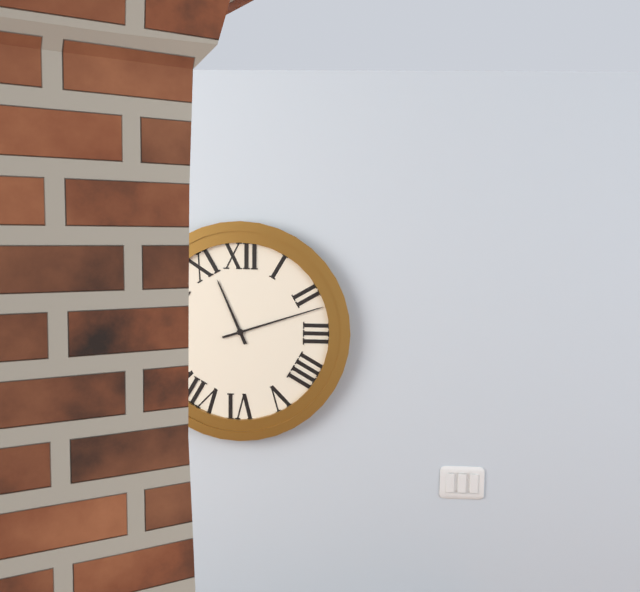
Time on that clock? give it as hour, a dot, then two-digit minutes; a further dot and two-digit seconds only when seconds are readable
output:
11.12
